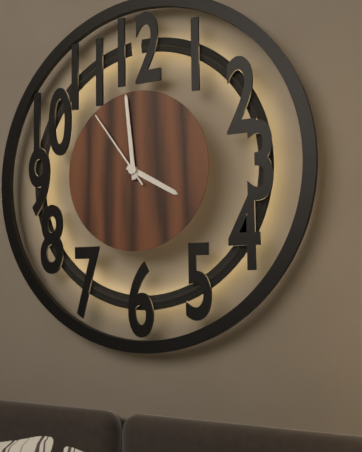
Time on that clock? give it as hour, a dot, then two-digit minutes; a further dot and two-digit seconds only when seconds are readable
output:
3.59.54
